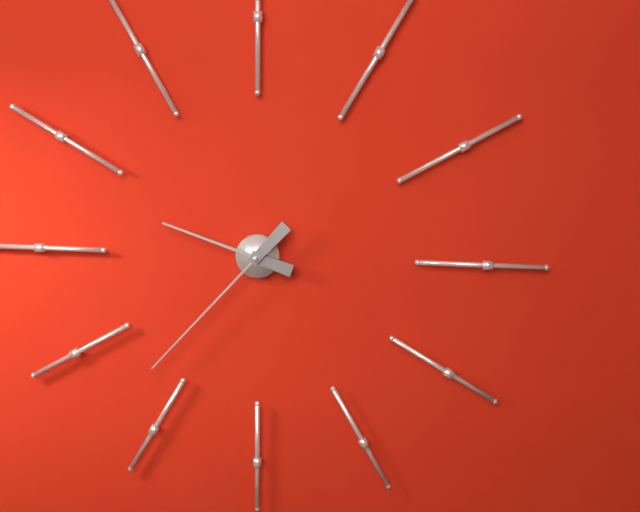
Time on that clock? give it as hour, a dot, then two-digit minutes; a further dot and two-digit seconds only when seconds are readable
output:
9.37
